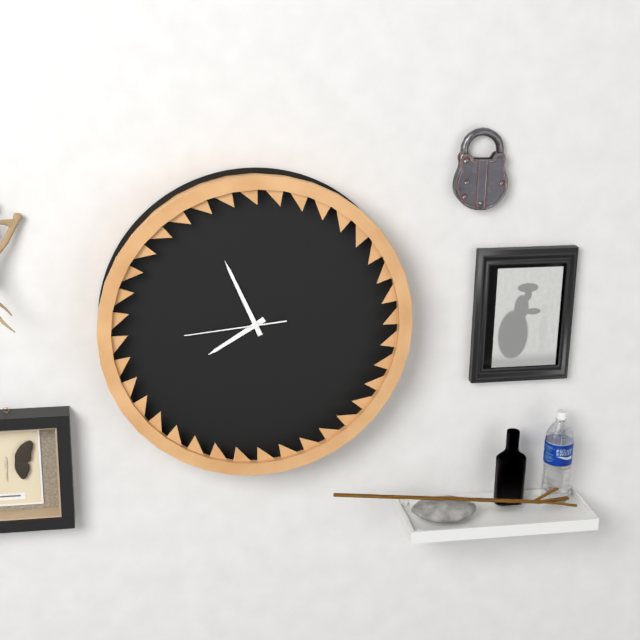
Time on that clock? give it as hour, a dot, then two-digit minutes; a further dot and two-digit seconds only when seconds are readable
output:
7.56.44
